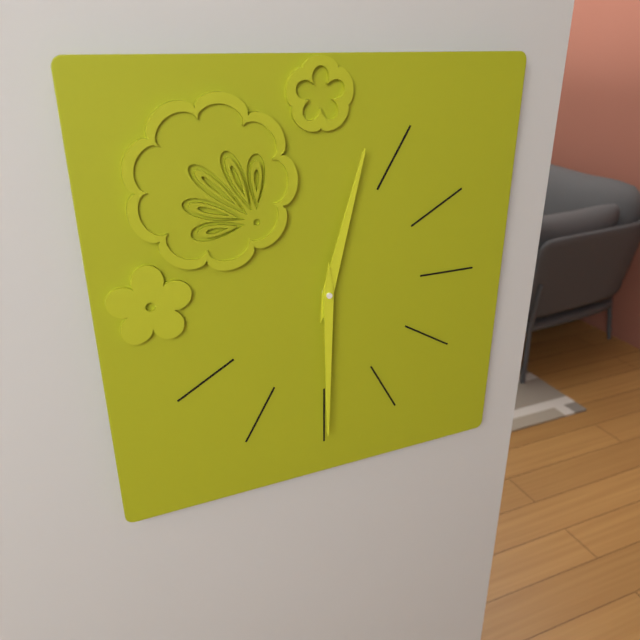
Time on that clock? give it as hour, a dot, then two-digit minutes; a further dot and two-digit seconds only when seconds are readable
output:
12.30
